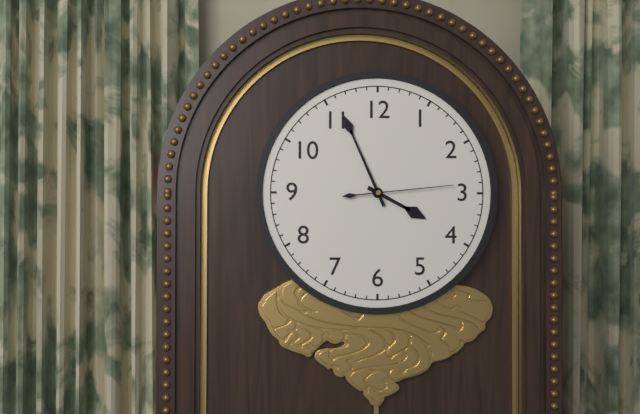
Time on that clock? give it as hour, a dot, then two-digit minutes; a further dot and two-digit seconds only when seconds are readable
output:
3.56.14
